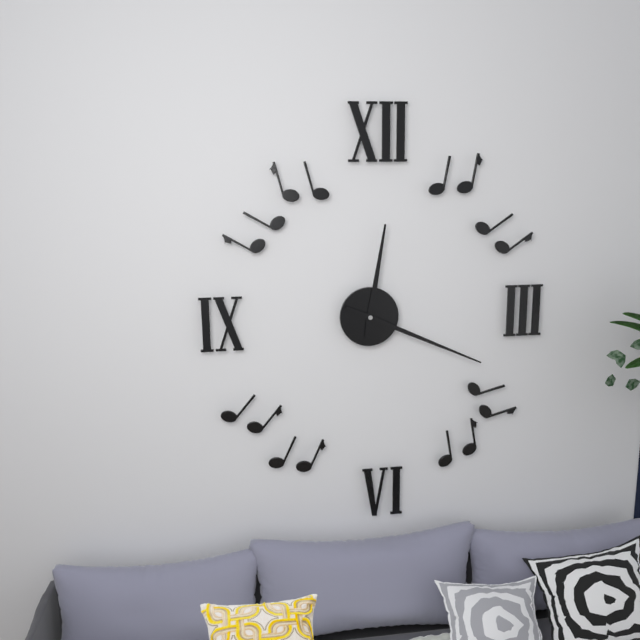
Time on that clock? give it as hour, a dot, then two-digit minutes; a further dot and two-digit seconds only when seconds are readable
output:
12.19
